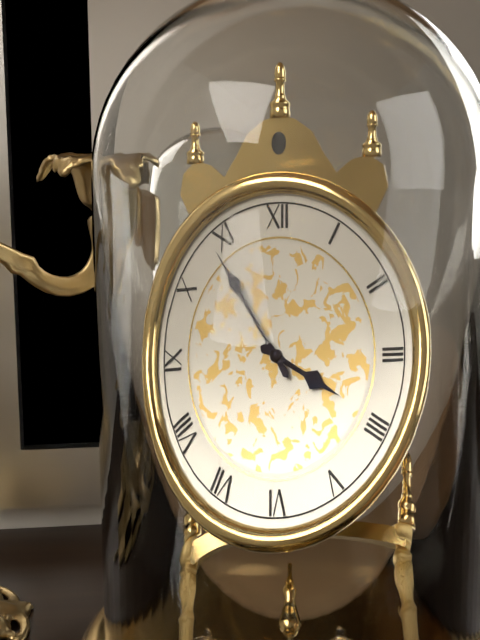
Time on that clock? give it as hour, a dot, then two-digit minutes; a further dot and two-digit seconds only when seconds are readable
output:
3.54
